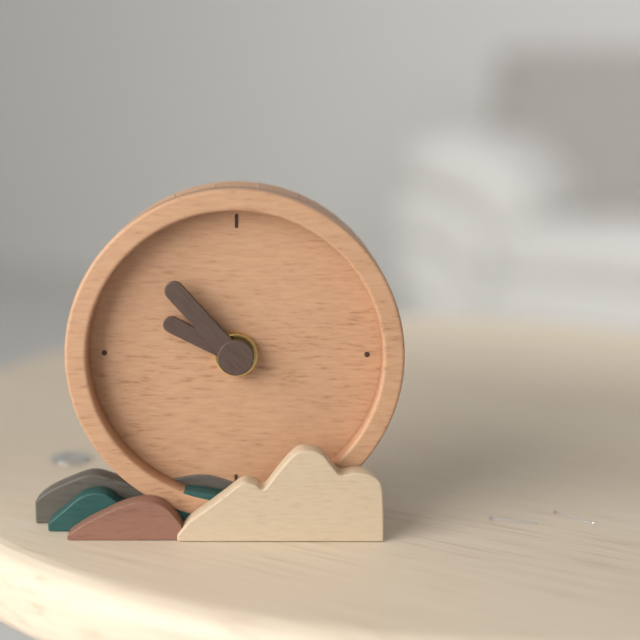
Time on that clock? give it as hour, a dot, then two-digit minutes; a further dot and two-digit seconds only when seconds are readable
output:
9.53
